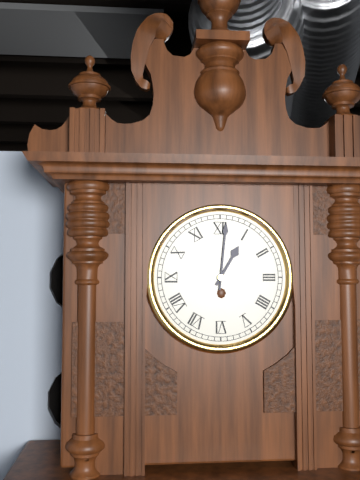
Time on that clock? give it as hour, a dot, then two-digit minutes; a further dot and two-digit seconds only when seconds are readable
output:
1.01
